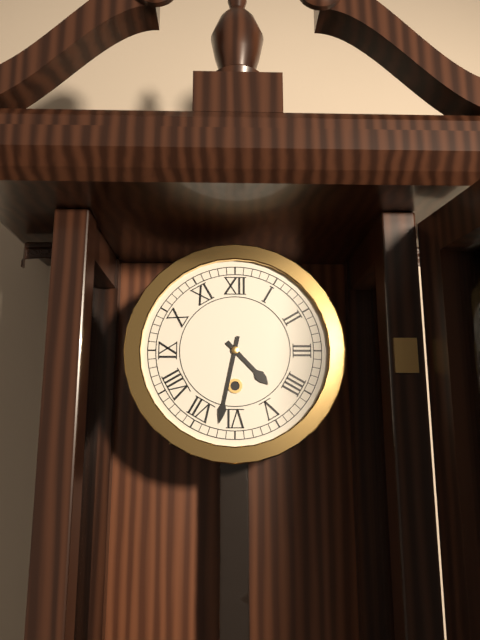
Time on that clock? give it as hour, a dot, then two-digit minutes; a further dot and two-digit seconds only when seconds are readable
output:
4.32
